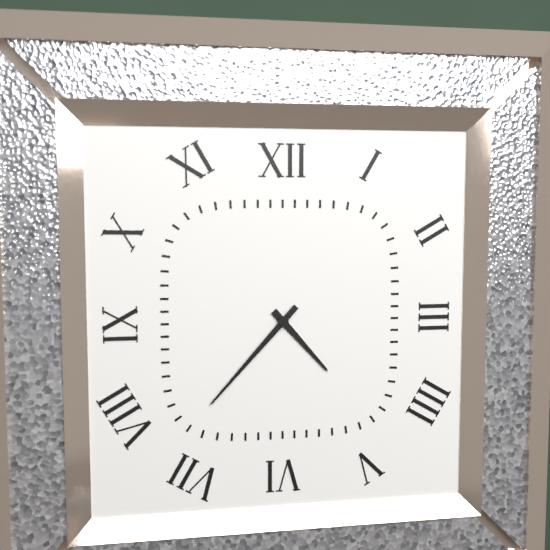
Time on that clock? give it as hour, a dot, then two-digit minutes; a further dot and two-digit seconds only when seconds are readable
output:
4.37
